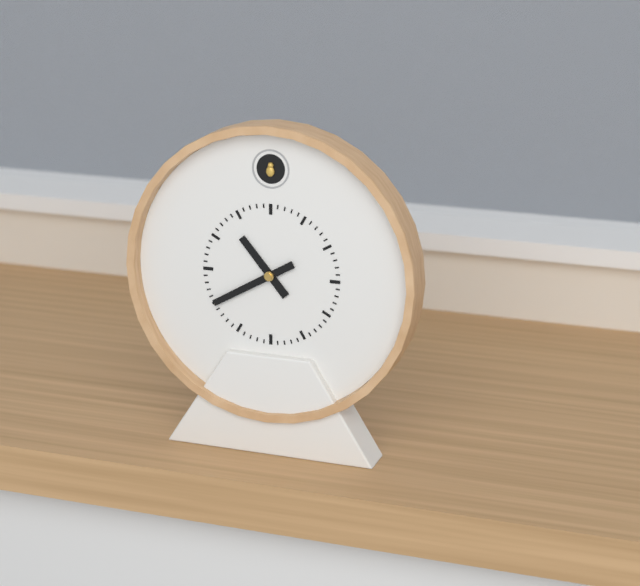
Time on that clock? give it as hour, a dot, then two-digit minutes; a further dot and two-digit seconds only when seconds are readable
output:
10.40
